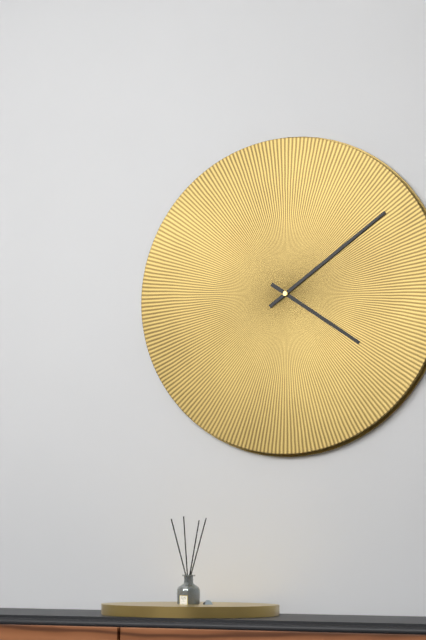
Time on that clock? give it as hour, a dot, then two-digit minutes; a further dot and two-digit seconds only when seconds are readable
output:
4.09
